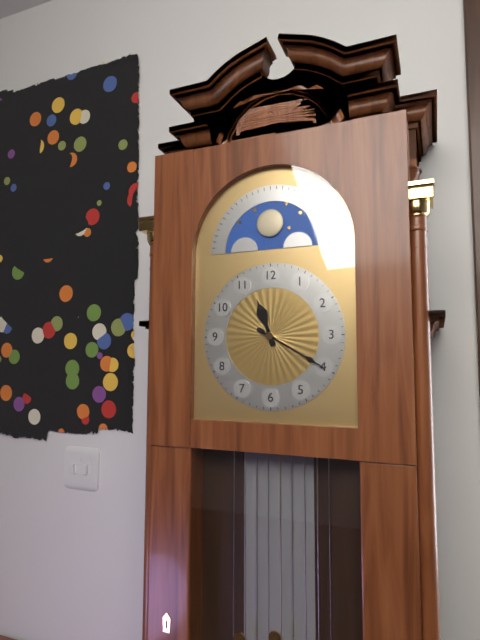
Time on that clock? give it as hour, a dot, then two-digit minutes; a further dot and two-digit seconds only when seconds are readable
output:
11.20
